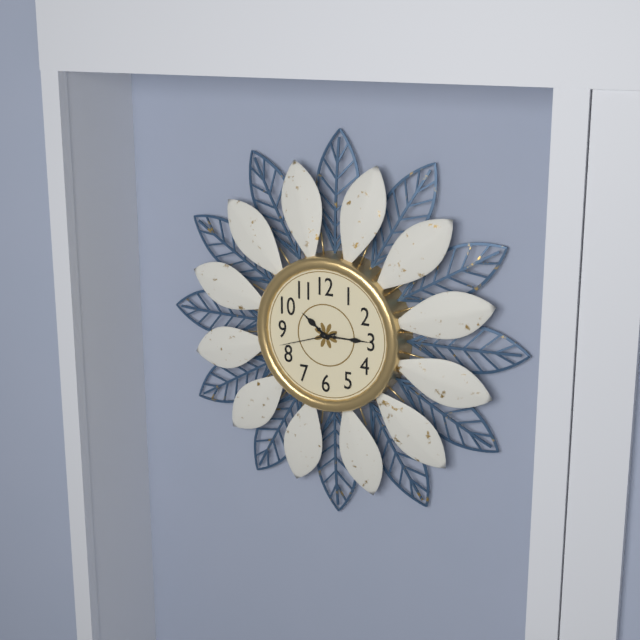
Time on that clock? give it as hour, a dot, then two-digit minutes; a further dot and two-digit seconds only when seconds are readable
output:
10.15.42
